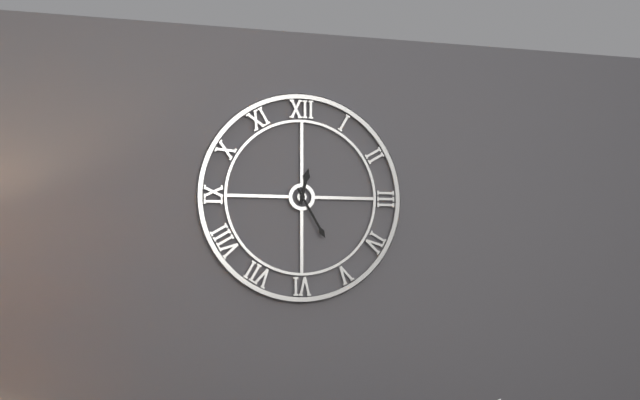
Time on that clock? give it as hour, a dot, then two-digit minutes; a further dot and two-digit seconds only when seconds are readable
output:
12.25
